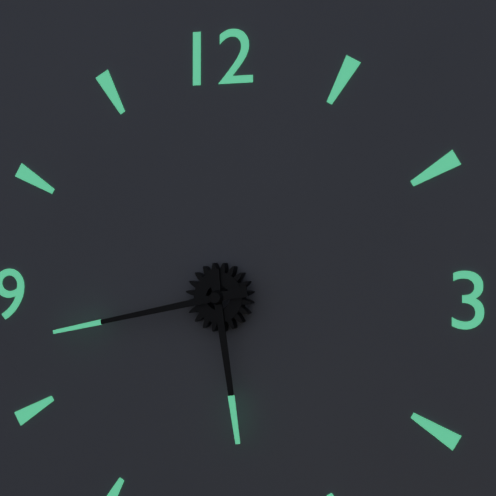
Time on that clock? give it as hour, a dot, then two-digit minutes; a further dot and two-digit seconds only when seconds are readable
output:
5.43
